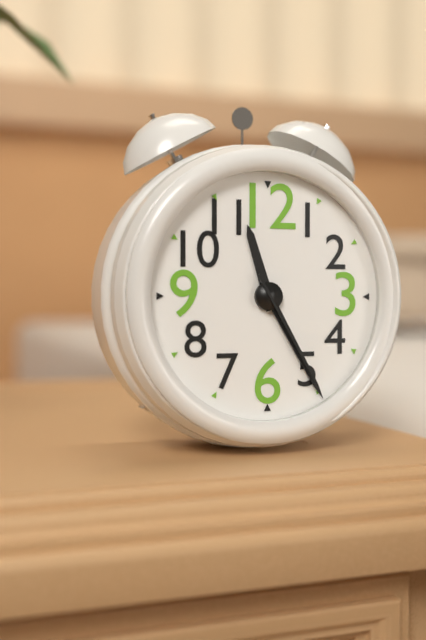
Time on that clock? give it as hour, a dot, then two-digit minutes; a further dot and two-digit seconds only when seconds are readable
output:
11.25.25
